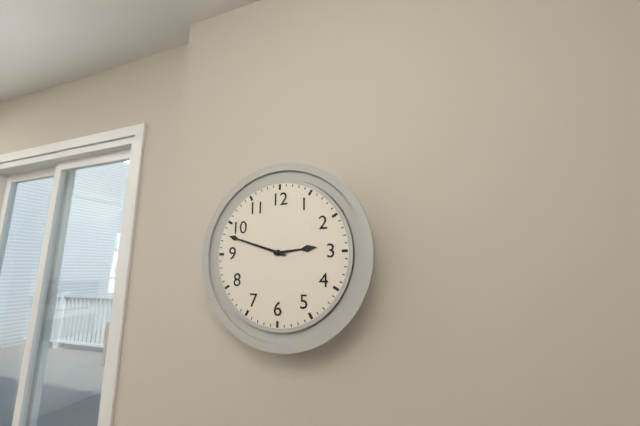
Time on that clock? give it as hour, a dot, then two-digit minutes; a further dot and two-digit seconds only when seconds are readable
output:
2.48
